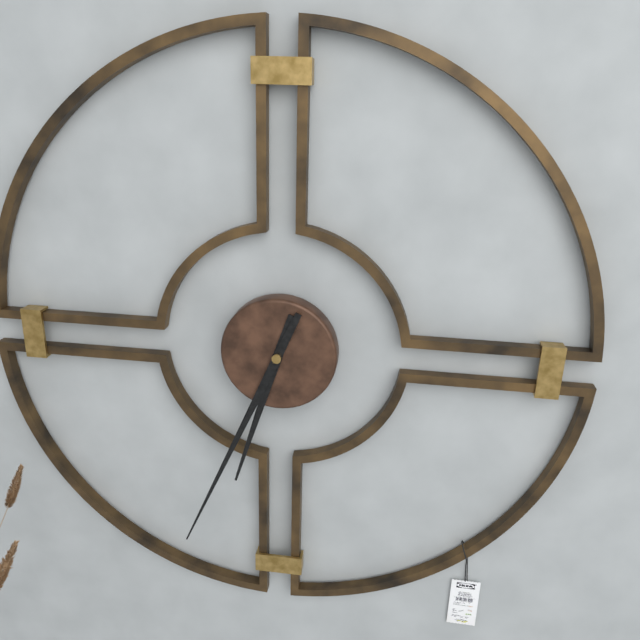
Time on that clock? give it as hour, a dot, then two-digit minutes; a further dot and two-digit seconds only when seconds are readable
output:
6.34
